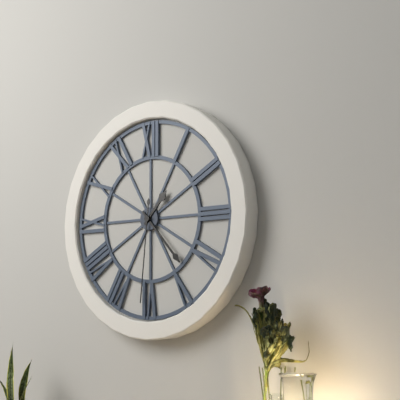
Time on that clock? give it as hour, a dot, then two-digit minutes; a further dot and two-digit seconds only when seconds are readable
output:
1.23.31
